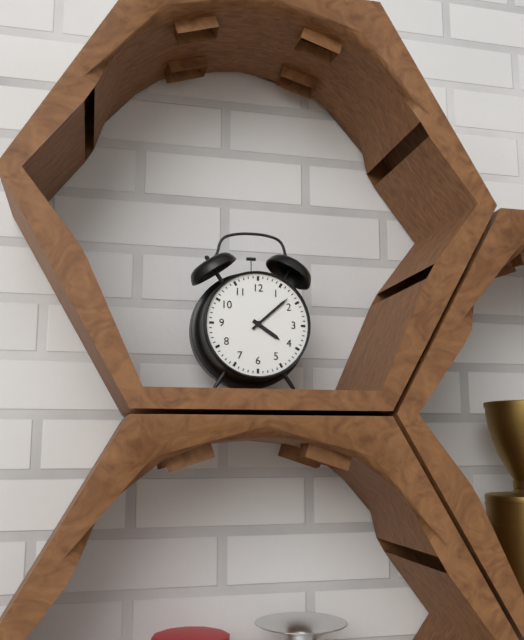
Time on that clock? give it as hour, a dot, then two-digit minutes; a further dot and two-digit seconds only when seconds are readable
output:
4.08
